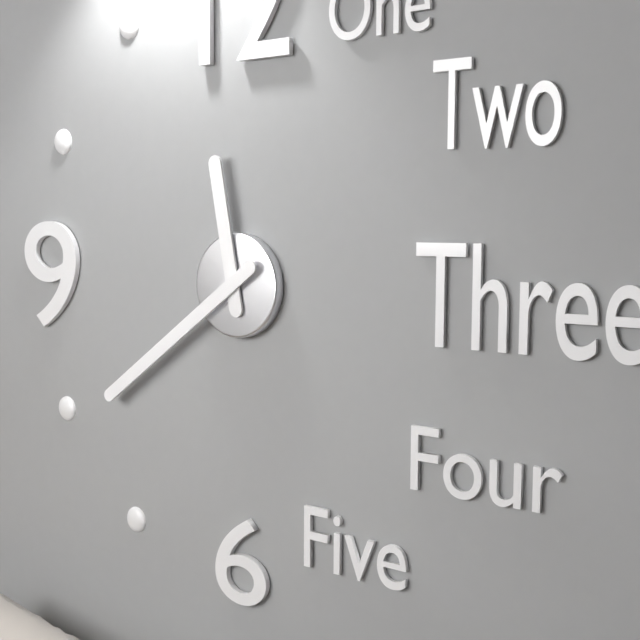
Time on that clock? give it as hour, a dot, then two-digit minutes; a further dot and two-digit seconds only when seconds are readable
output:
11.39
